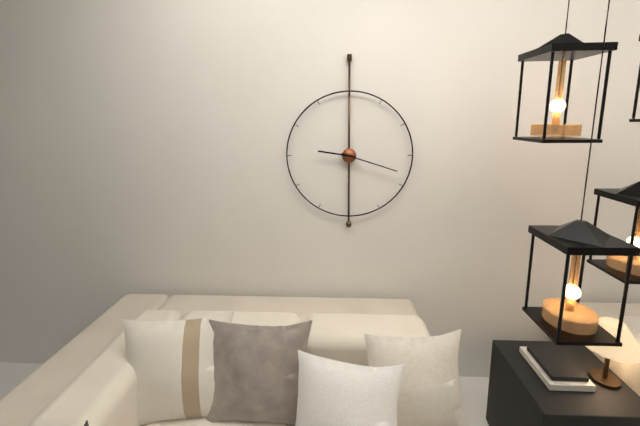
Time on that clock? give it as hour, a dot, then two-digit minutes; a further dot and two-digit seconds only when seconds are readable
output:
9.18
